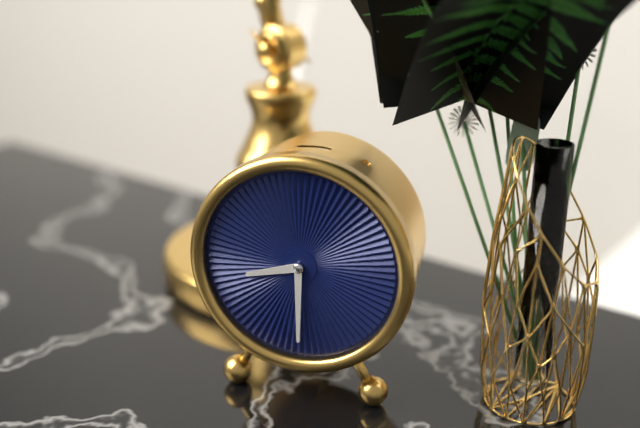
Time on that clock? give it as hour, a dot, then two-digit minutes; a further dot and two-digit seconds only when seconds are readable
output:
8.30
